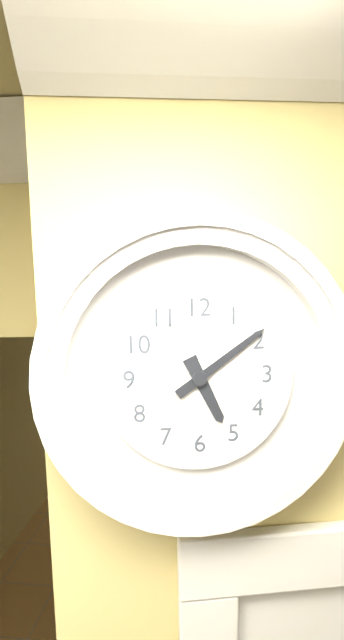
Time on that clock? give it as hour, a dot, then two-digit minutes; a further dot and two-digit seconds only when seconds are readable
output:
5.09
